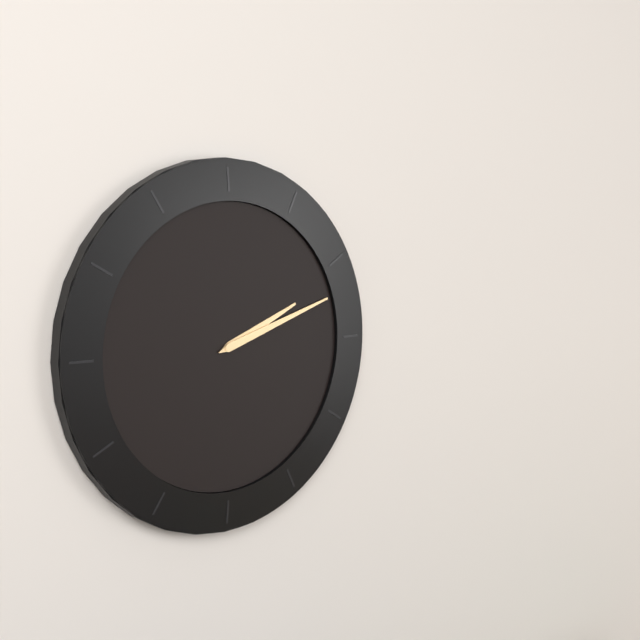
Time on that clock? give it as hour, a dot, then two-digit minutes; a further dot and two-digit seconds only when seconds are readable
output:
2.12
